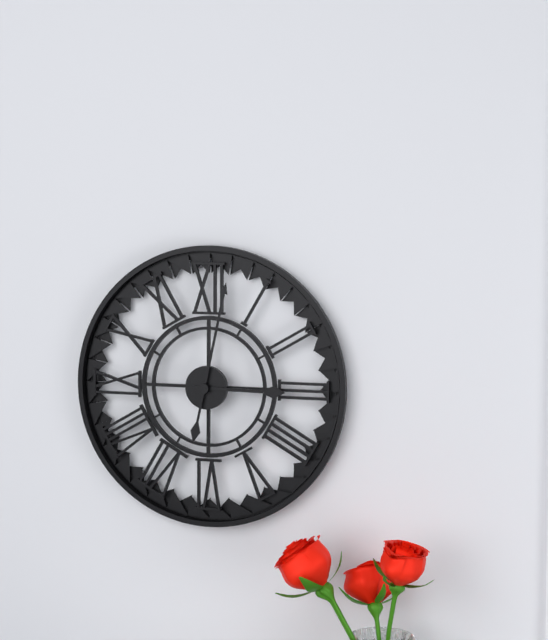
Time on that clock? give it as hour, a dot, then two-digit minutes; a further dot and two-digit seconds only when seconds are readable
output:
3.02
